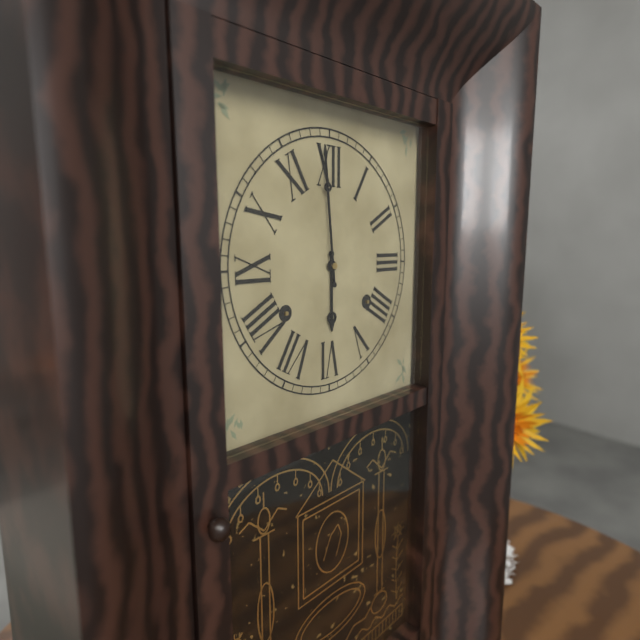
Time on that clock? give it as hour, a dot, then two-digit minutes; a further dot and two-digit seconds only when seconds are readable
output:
5.59
